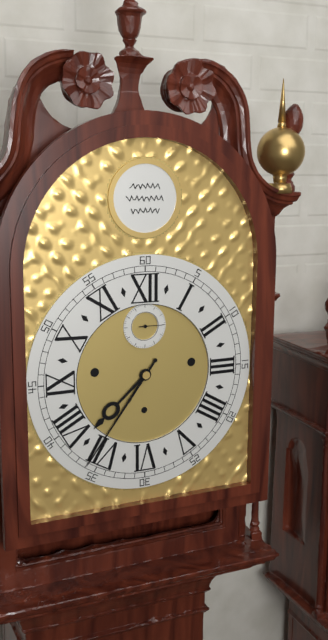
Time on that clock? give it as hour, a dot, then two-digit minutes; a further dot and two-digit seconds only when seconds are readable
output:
7.36
